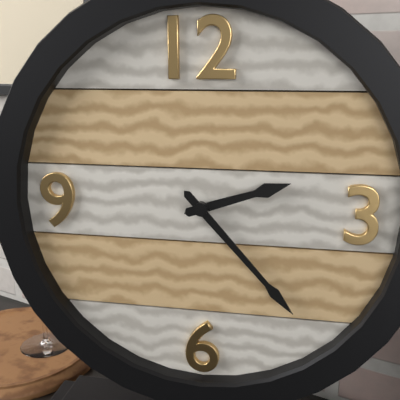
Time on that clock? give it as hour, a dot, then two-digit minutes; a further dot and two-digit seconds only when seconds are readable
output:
2.23
